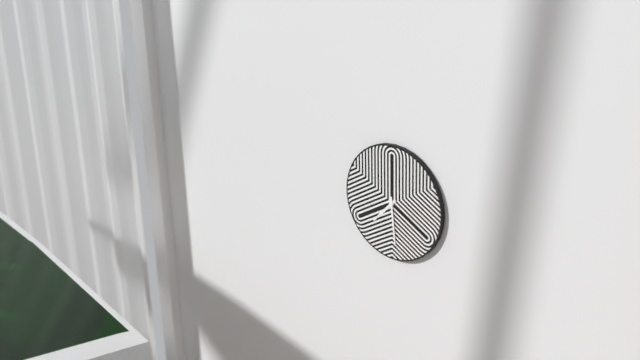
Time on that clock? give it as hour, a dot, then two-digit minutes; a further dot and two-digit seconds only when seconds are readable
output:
7.29
